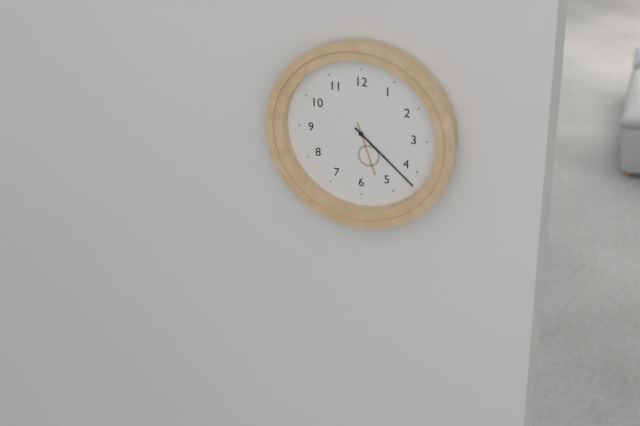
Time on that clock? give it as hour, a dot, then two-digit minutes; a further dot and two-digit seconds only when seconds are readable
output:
5.22
